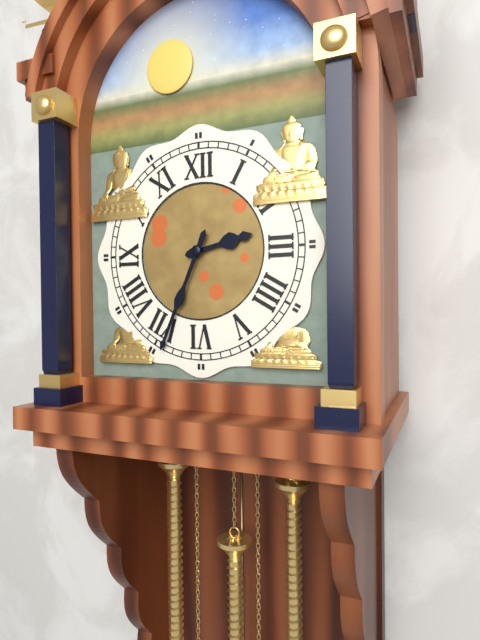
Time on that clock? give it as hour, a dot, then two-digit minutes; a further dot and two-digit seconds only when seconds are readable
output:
2.34
